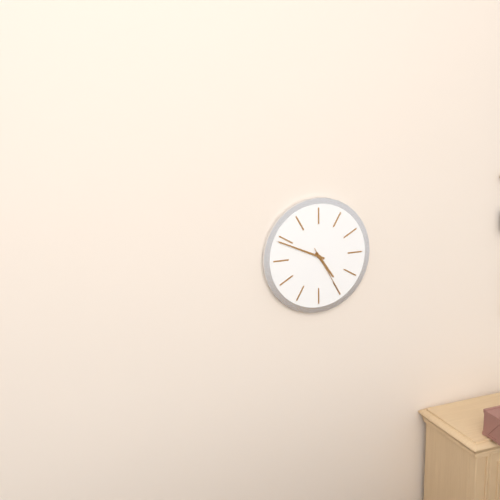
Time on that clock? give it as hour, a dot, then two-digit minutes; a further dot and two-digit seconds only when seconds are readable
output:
4.49.25
